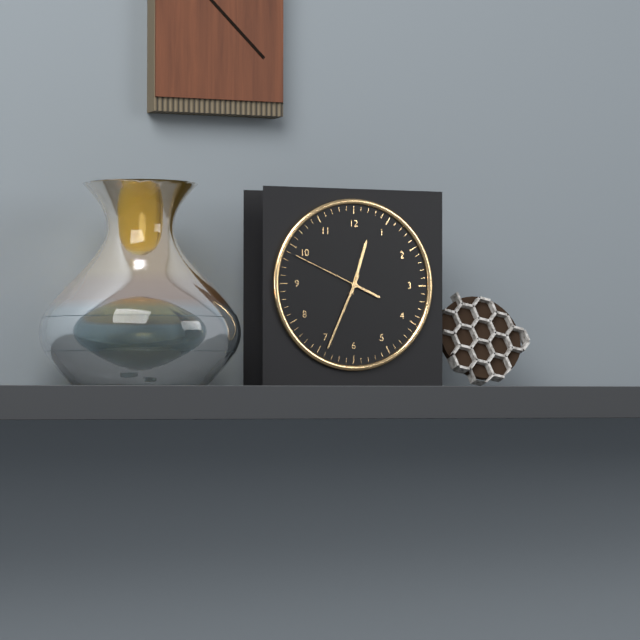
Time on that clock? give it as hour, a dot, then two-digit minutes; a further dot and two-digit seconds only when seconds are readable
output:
12.34.49
